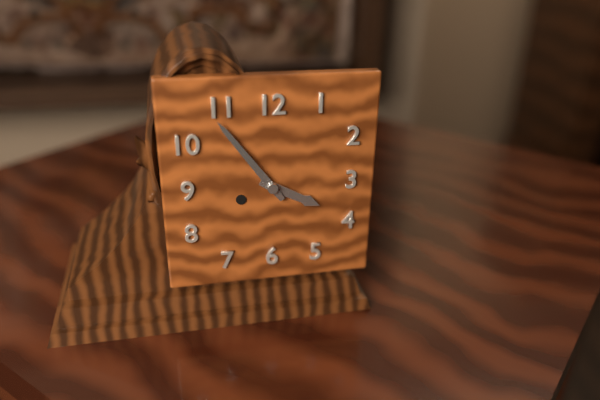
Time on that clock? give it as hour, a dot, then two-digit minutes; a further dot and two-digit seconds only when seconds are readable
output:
3.54
